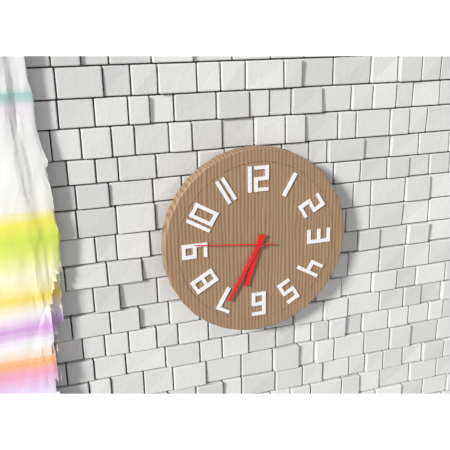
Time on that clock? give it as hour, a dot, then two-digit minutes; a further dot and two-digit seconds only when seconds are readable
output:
6.35.46
